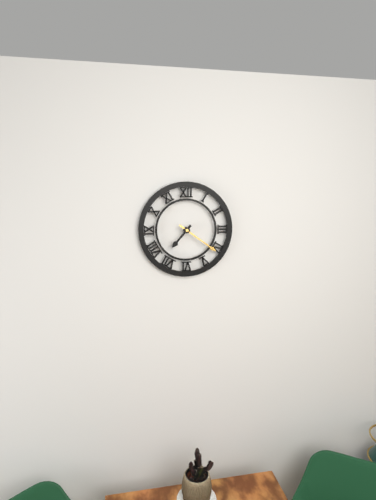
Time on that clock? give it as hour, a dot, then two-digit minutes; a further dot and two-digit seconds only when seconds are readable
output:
7.21
